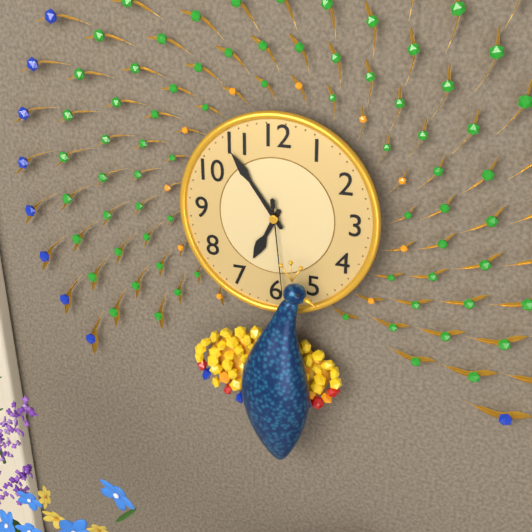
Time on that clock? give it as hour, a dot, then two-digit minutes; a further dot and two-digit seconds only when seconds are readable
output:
6.54.29
